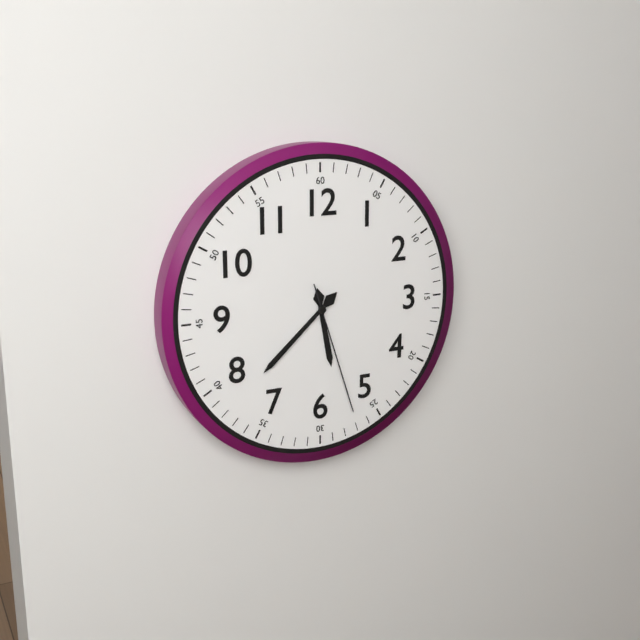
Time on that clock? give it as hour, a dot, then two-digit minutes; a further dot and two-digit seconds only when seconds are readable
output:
5.38.27
